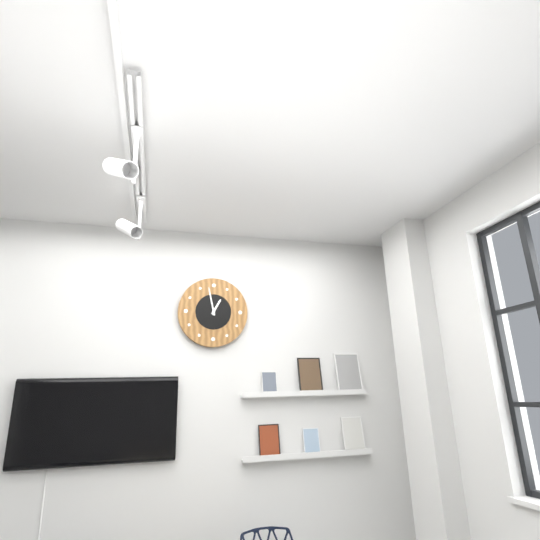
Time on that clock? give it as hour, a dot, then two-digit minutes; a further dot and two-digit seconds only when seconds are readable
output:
12.58
